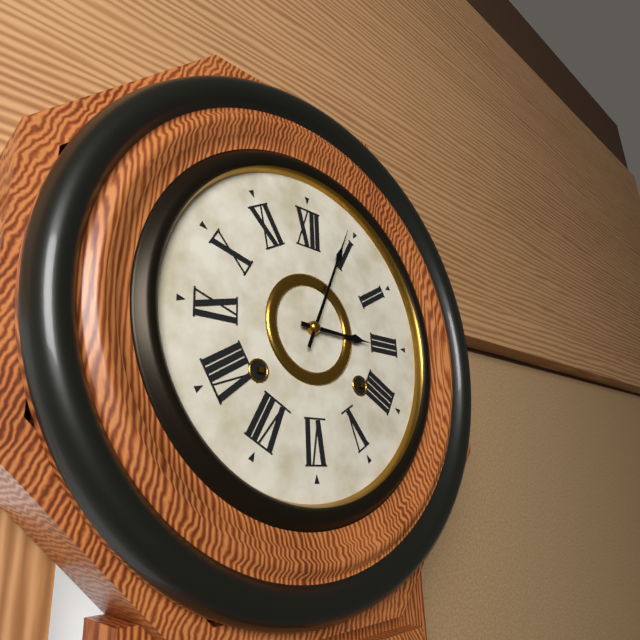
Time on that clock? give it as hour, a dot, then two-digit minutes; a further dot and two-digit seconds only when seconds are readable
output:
3.04
